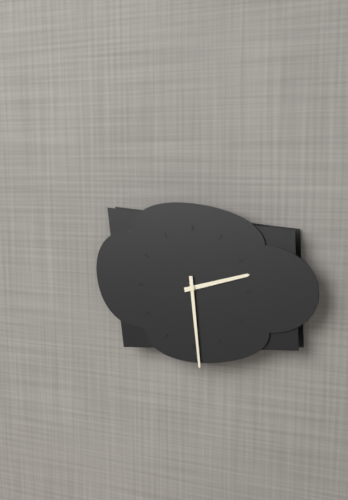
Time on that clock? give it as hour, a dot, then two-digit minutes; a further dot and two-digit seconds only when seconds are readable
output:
2.29
